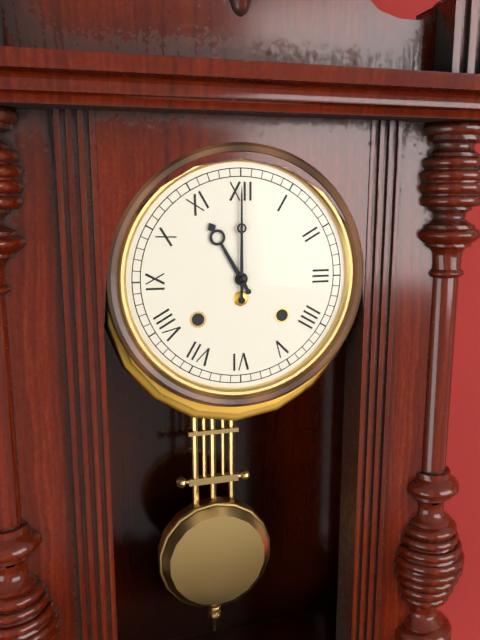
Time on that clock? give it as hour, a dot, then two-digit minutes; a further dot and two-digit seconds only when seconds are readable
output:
11.00
